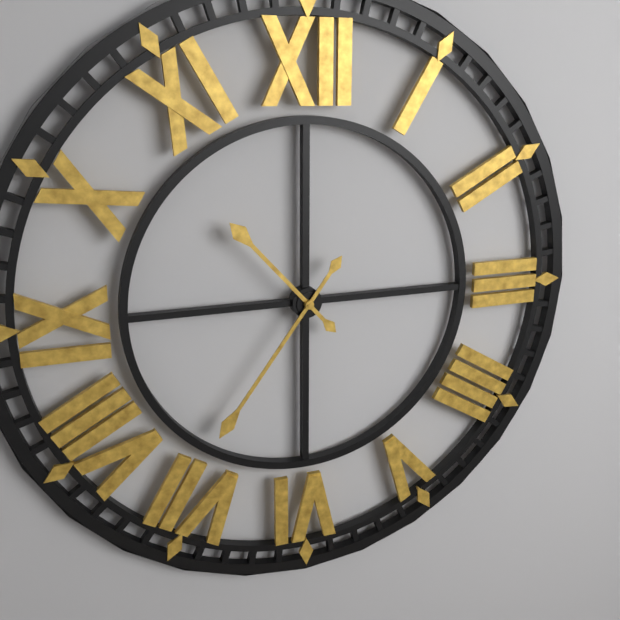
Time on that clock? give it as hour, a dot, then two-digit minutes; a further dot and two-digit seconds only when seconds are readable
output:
10.36
